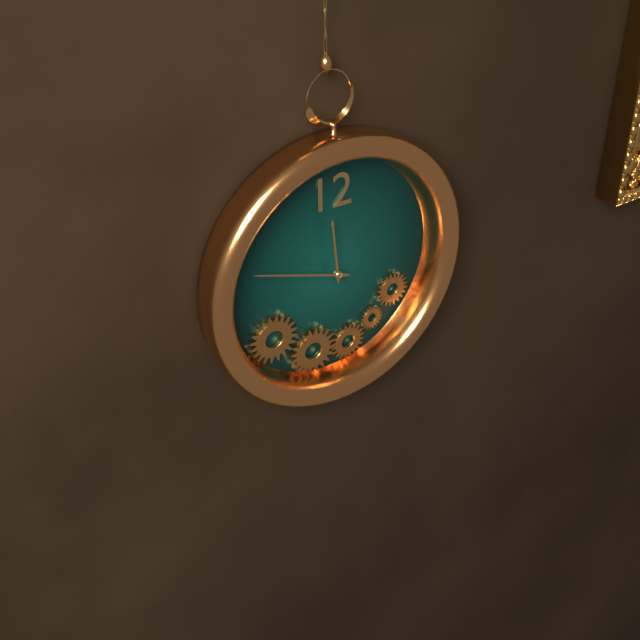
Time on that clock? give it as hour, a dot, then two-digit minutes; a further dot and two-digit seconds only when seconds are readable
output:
11.48
